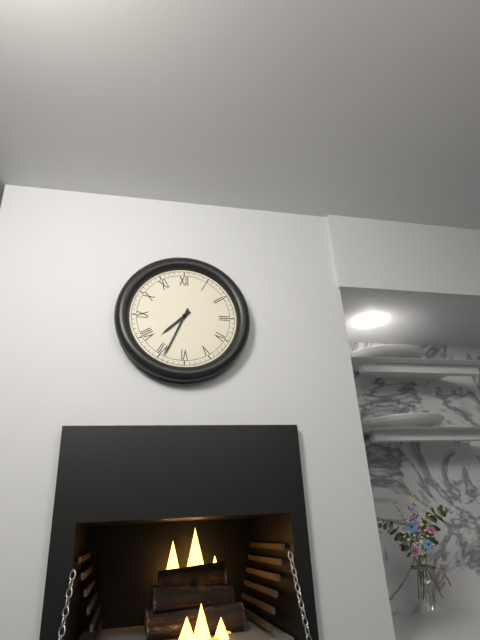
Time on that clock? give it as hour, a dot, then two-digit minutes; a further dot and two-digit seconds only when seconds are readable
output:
7.34
